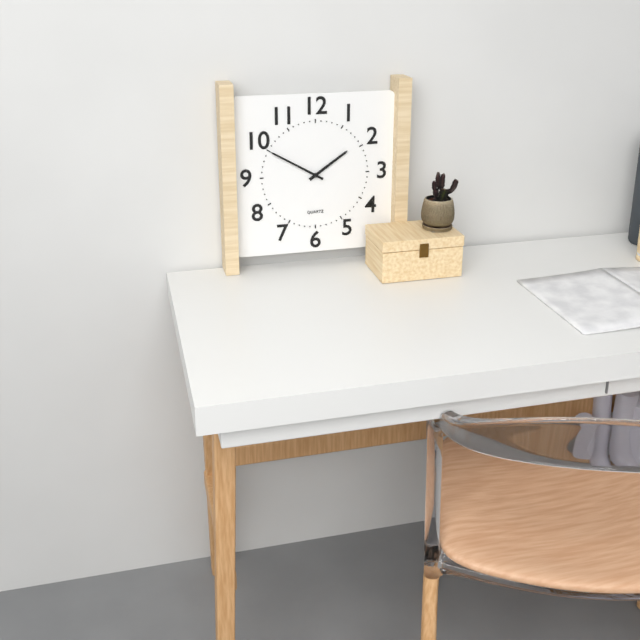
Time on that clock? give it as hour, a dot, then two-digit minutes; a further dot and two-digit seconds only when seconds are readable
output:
1.50
